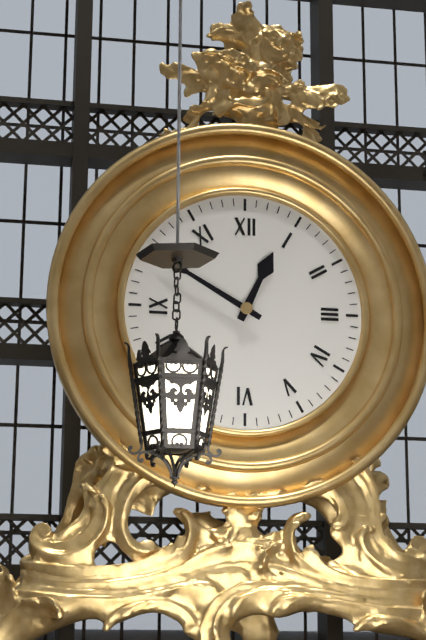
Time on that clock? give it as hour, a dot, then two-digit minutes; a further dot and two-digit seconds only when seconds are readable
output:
12.50
